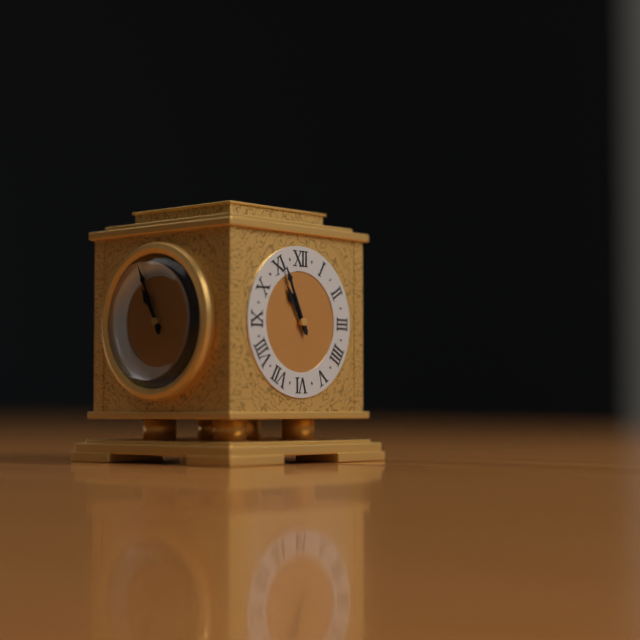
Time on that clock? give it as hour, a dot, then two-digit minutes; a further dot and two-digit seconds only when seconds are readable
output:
10.56
